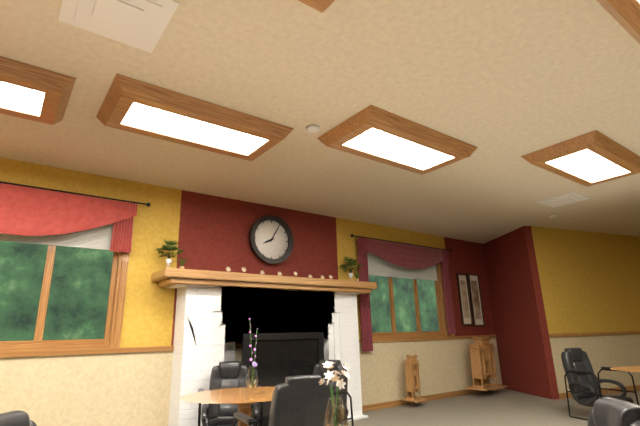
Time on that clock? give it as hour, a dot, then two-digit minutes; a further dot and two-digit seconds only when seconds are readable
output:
8.05
